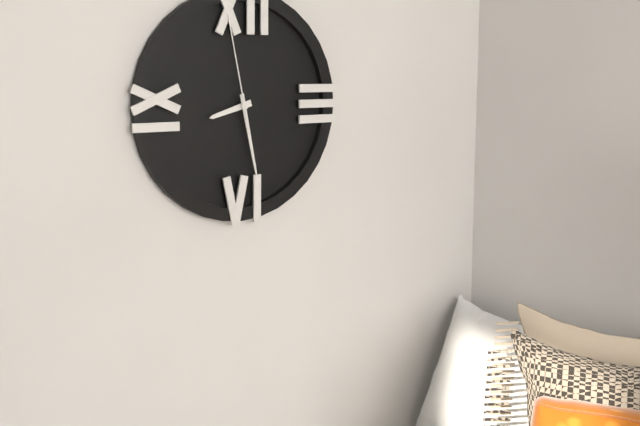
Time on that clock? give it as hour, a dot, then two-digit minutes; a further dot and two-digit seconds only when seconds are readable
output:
8.28.58
